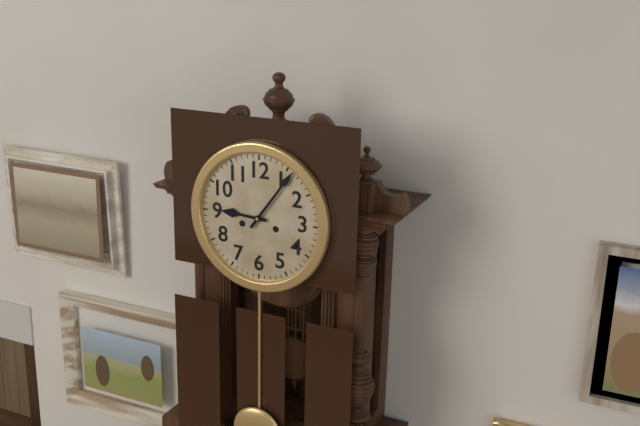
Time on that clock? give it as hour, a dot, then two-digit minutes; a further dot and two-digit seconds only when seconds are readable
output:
9.06
